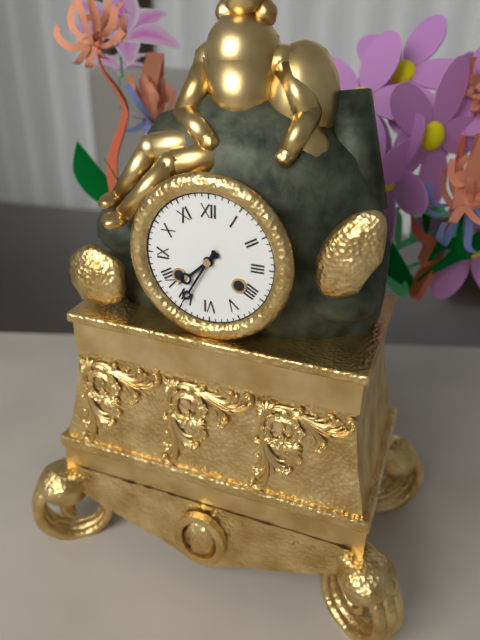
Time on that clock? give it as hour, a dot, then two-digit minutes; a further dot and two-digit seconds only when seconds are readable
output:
7.35
